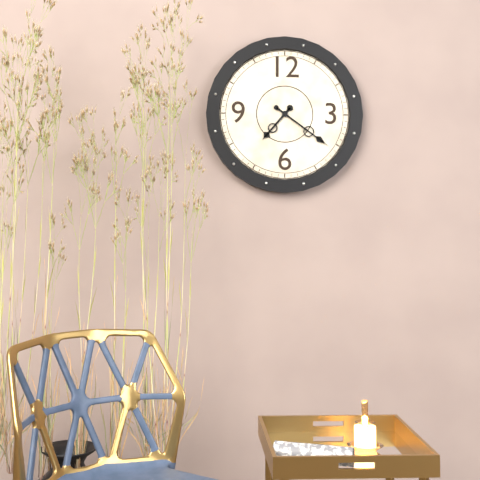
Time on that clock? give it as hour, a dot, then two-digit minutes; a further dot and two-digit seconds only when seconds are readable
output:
7.21
